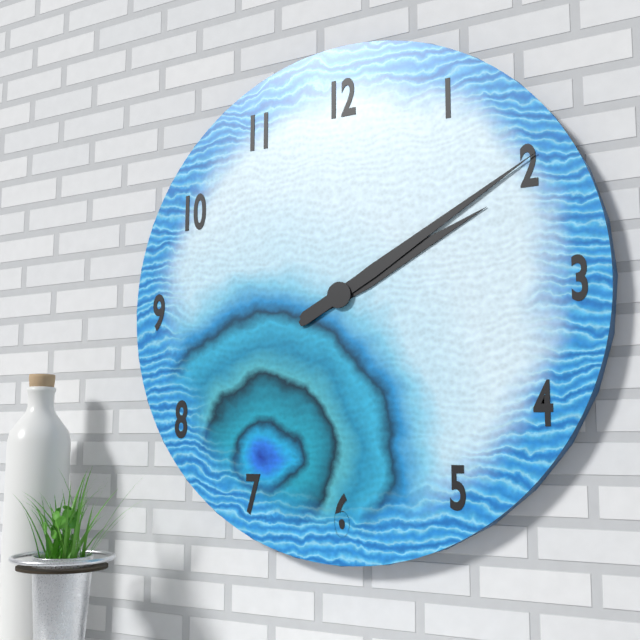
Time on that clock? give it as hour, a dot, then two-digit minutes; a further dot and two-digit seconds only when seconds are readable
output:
2.10
